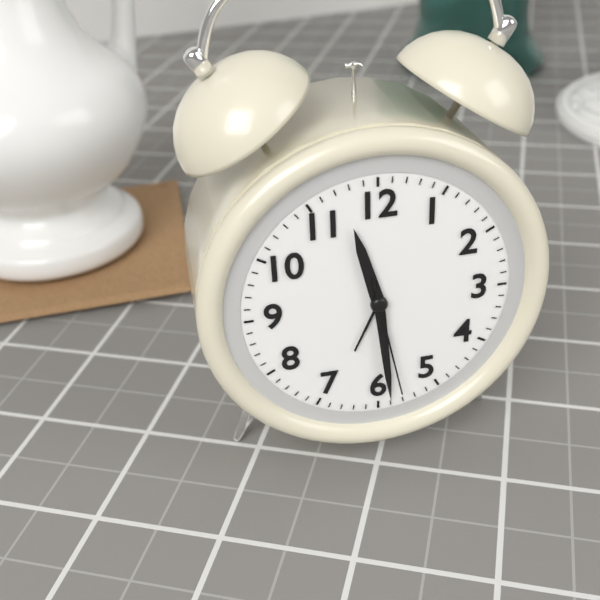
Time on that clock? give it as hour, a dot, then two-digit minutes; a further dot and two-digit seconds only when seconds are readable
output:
11.29.28
